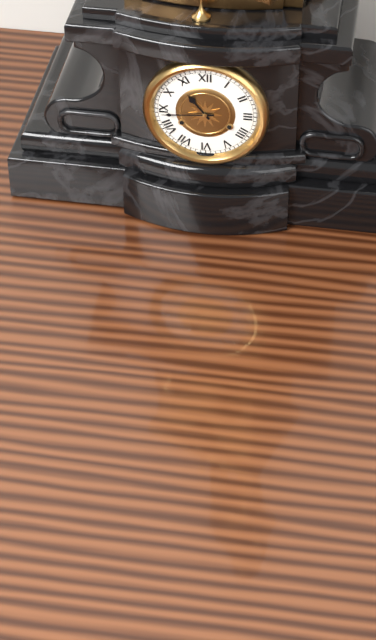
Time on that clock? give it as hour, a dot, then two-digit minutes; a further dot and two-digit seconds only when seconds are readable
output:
10.44
